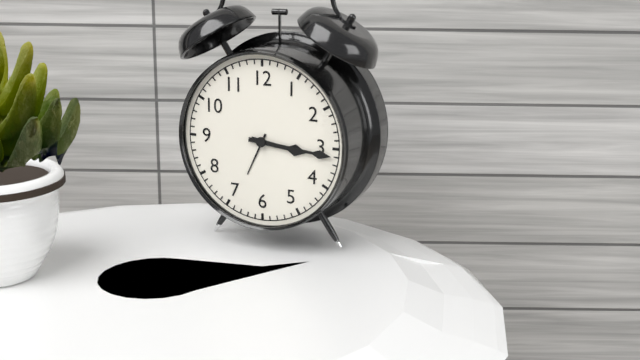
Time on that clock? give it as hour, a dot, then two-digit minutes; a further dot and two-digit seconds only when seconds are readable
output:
3.16
